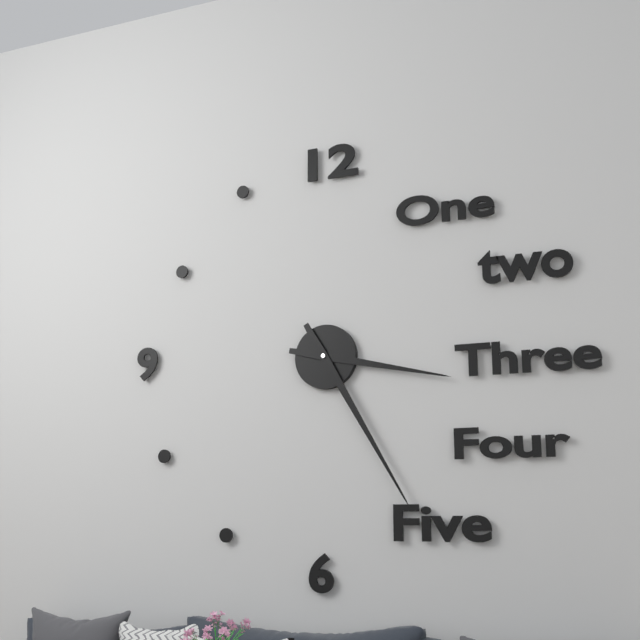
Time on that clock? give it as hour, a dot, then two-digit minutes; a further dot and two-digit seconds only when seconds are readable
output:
3.25
